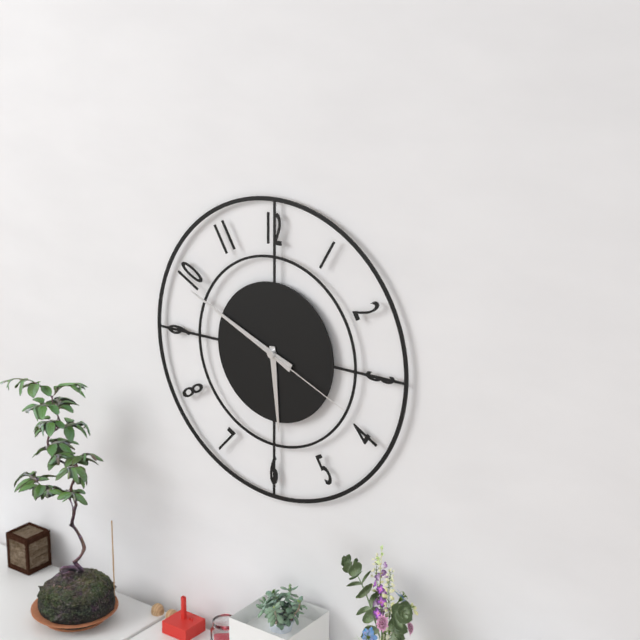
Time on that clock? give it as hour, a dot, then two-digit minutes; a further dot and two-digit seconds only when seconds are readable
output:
5.49.19
